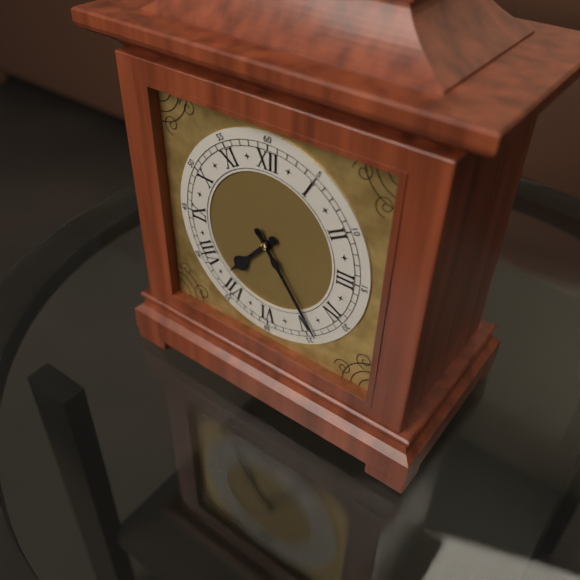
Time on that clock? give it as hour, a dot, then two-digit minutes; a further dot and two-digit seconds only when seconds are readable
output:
7.24
